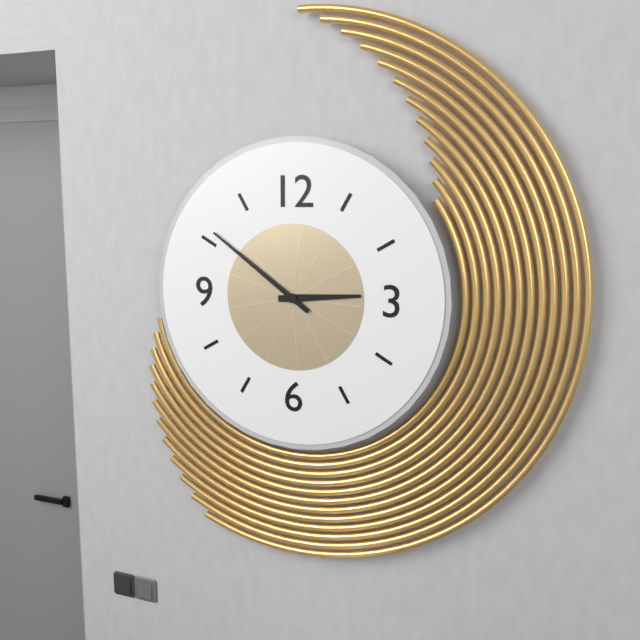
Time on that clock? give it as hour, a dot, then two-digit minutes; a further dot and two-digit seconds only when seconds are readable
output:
2.51
